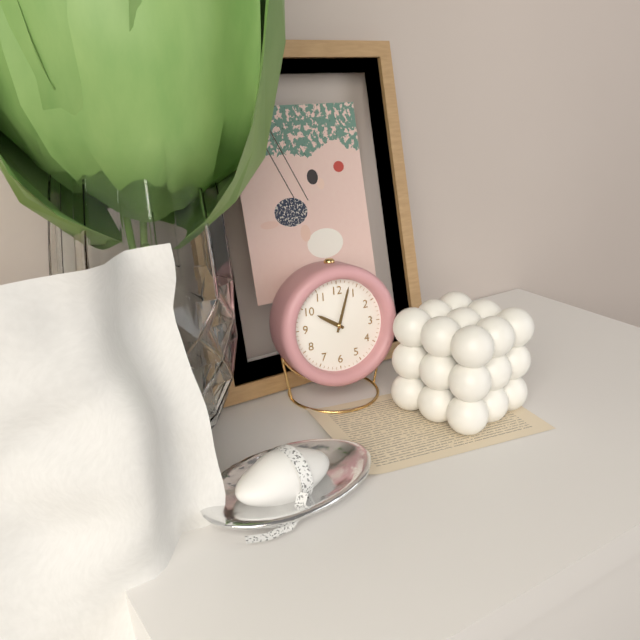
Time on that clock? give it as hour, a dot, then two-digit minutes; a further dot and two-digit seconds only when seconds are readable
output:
10.03
